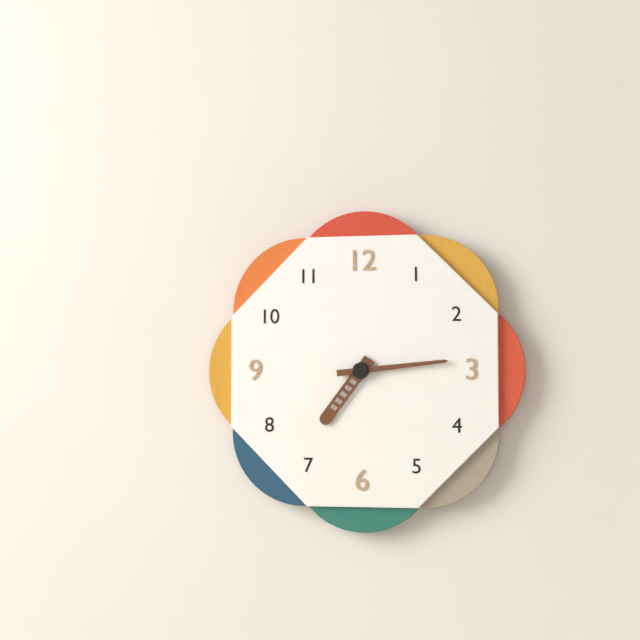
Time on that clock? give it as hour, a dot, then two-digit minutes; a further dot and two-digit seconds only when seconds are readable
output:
7.14
